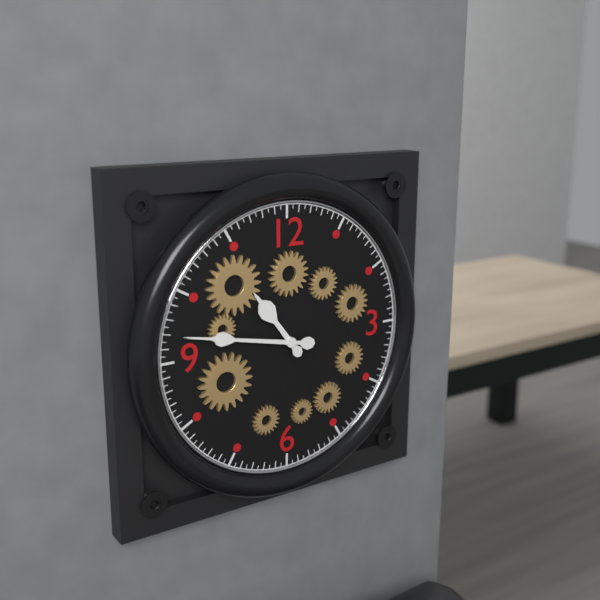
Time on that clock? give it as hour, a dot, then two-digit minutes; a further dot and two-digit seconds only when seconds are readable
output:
10.47
